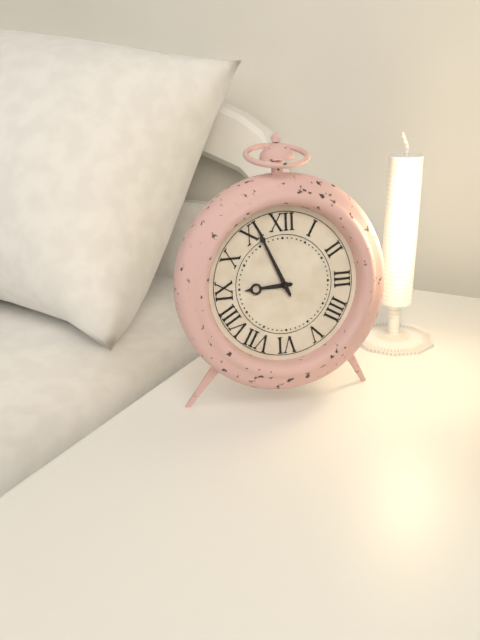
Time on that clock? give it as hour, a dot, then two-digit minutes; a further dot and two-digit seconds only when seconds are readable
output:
8.56
